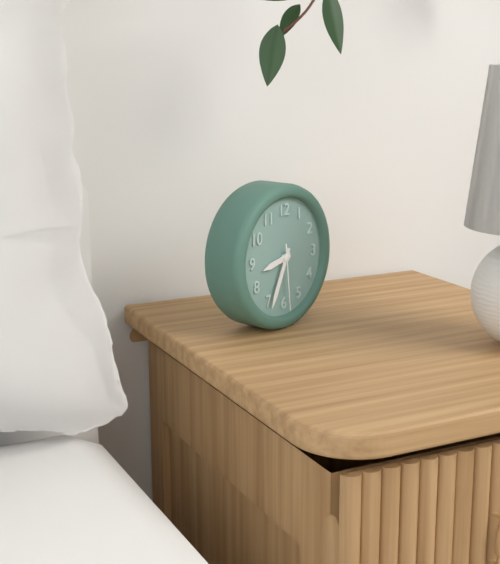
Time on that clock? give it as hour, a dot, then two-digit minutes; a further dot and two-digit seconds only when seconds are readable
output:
8.34.29
